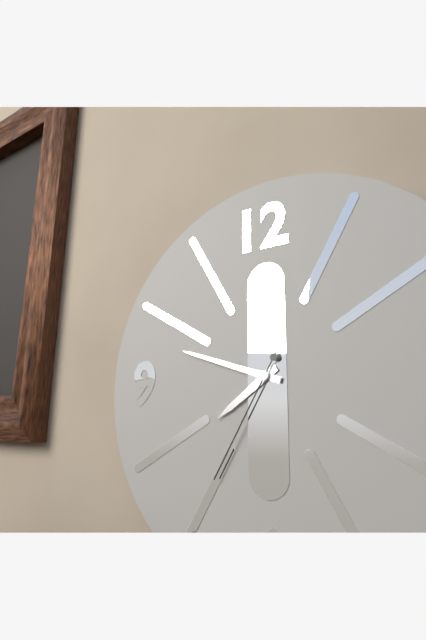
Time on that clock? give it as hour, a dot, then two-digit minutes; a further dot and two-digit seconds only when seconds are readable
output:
7.48.35
